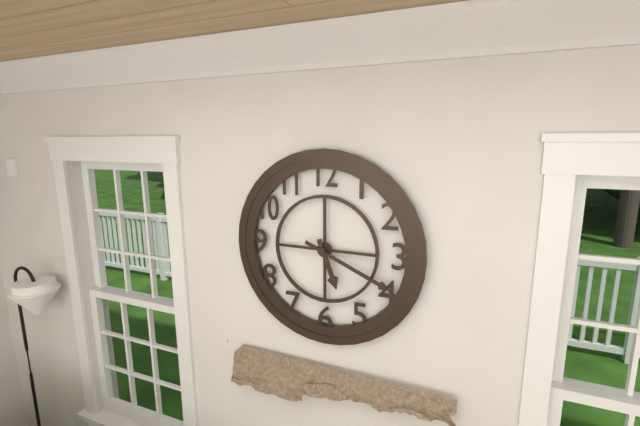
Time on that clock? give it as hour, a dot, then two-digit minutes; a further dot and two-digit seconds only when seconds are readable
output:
5.19
